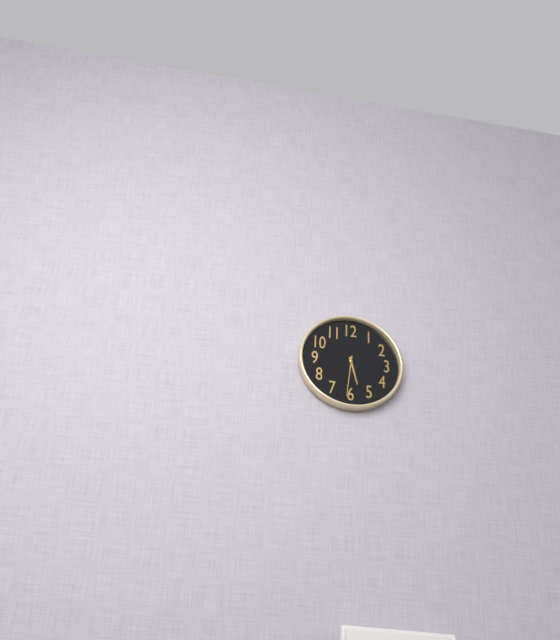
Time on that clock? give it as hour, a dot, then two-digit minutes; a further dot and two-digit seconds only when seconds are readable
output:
5.31
